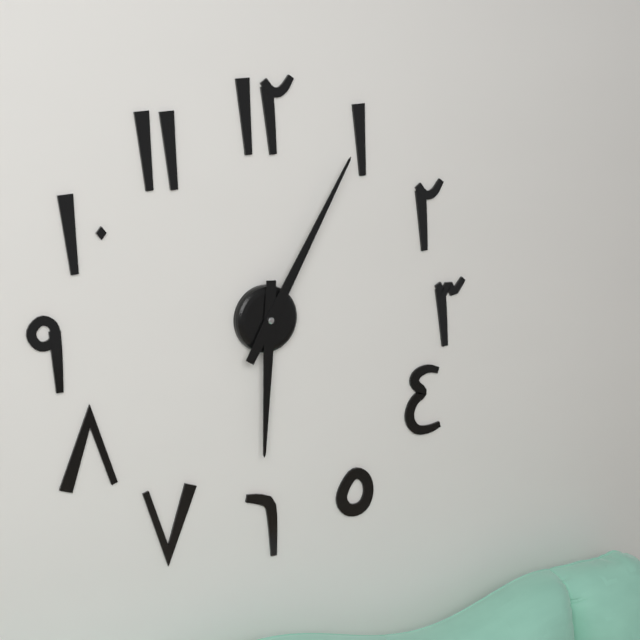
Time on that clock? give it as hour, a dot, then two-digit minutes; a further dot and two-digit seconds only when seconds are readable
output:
6.05
